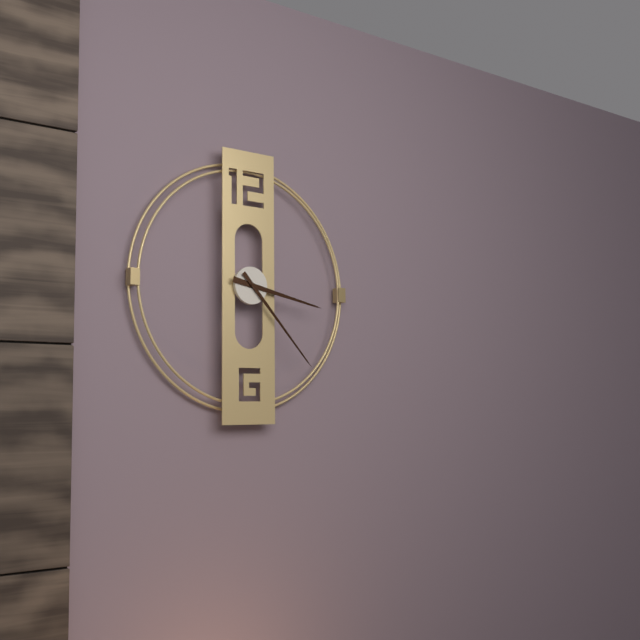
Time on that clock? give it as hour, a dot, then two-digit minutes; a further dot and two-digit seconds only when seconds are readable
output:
3.23
